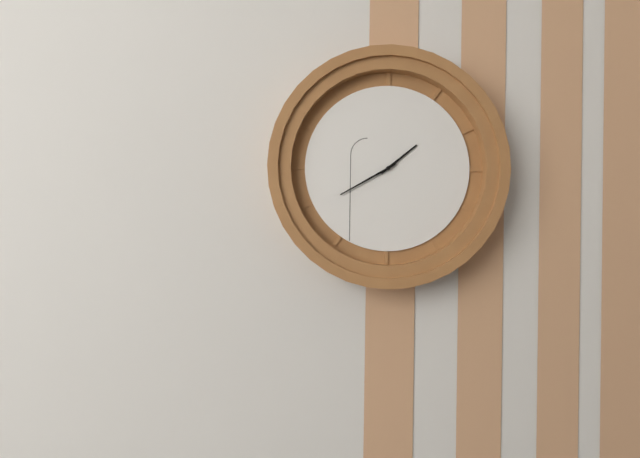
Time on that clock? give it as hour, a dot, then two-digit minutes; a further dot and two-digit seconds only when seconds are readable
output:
1.40
